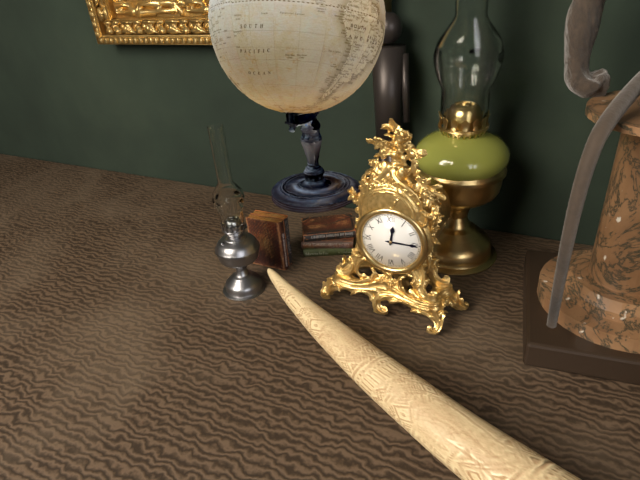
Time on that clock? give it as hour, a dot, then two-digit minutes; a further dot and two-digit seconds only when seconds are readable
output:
12.15
